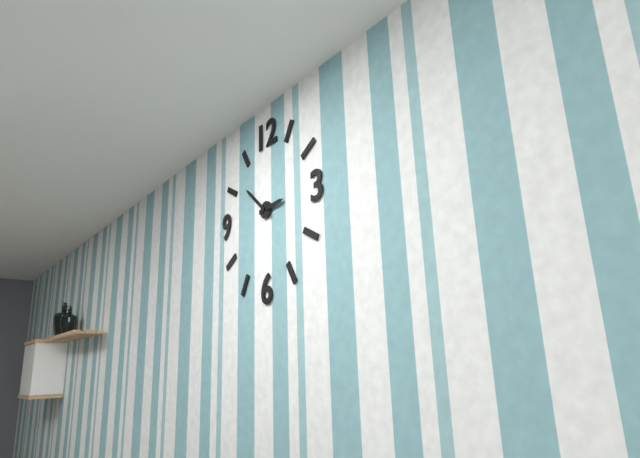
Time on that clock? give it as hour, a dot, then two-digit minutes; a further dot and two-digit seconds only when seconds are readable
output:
2.52
